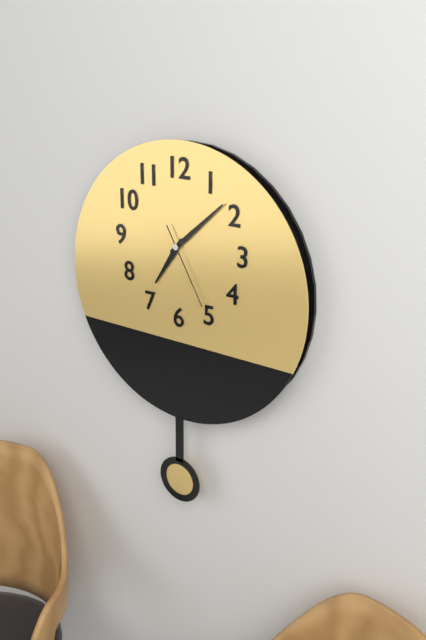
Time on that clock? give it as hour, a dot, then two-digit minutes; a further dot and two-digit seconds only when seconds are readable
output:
7.08.25
